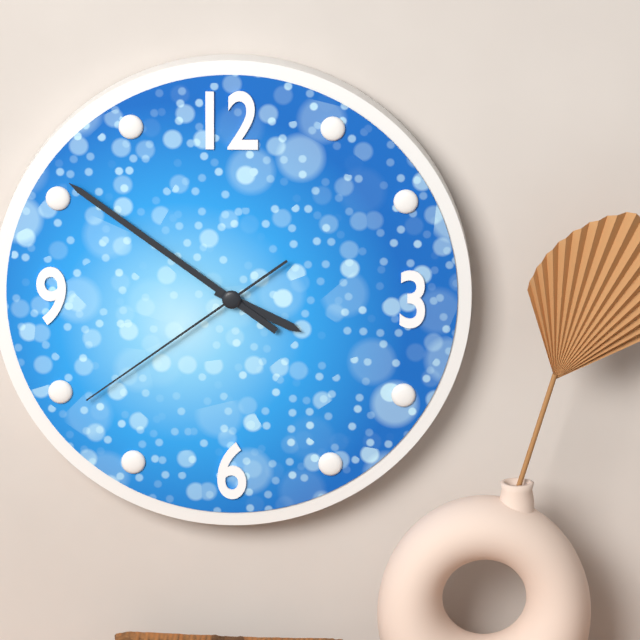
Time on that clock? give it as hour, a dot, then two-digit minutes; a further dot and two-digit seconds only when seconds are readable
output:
3.51.39
